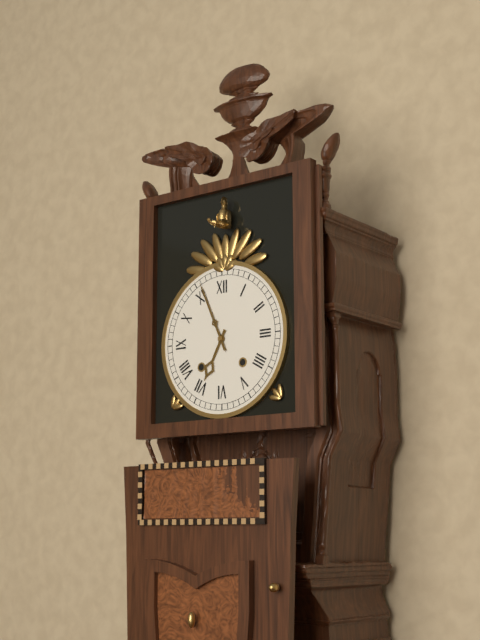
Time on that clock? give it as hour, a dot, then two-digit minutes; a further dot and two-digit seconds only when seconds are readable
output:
6.56
